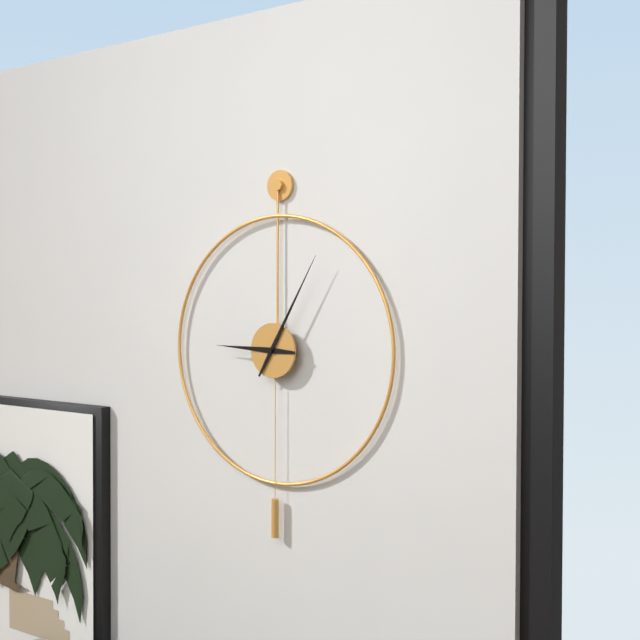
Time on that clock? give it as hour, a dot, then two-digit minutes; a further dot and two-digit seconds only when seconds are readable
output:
9.05
